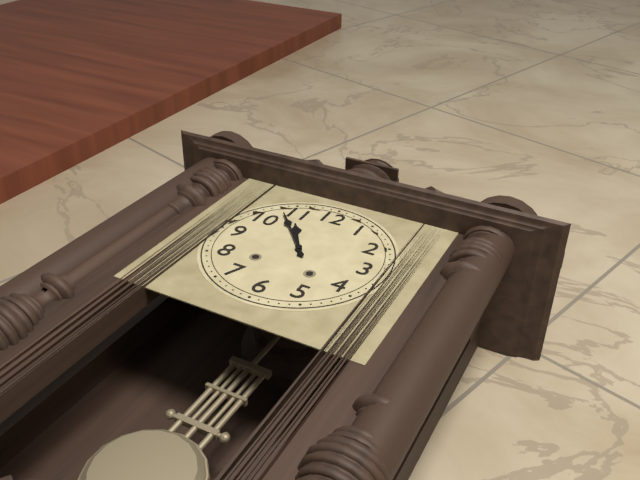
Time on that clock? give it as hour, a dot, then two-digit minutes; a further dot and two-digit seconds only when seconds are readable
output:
10.53
